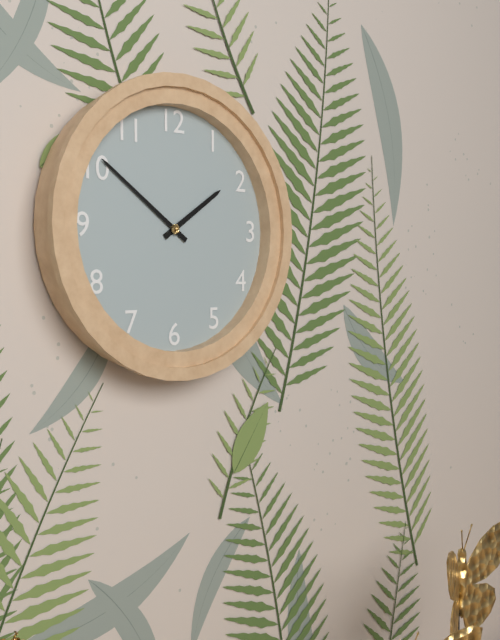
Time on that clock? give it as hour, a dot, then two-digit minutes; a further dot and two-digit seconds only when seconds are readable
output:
1.51
